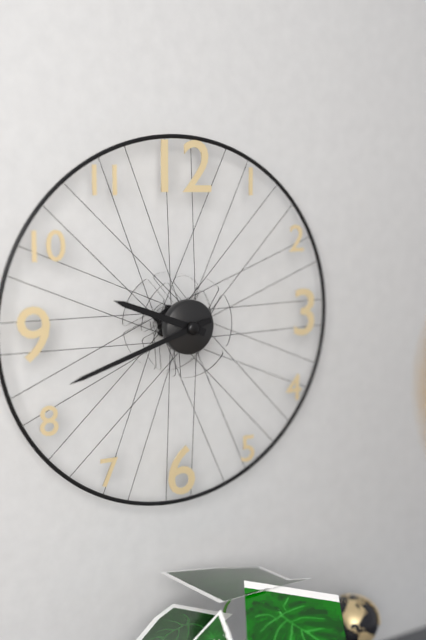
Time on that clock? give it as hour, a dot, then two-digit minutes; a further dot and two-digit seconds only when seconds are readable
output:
9.42
